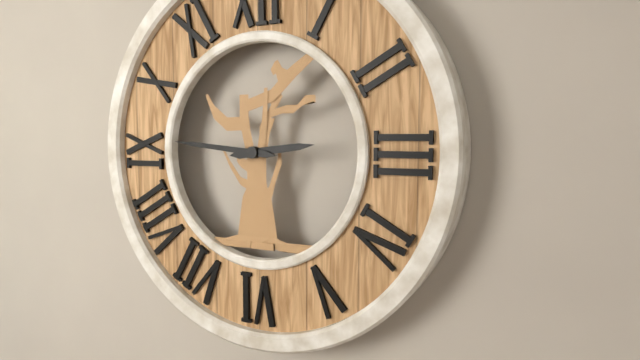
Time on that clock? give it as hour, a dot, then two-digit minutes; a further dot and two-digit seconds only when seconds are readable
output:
2.46
